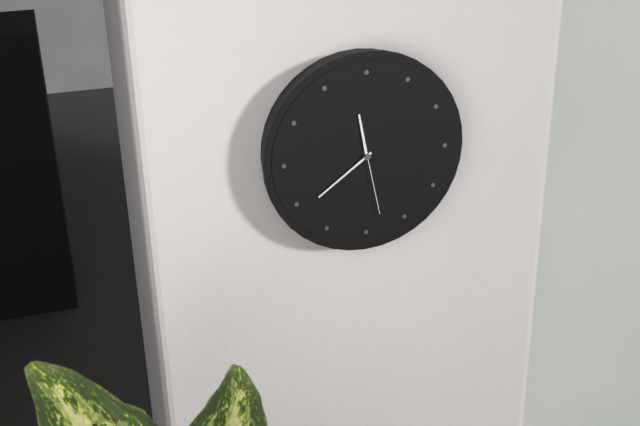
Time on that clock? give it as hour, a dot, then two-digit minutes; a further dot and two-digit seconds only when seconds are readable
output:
11.39.28
